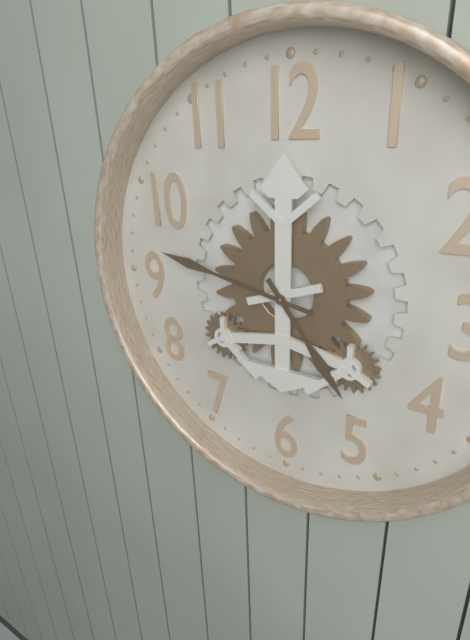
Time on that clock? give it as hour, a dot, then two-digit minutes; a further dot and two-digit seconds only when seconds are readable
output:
4.47
